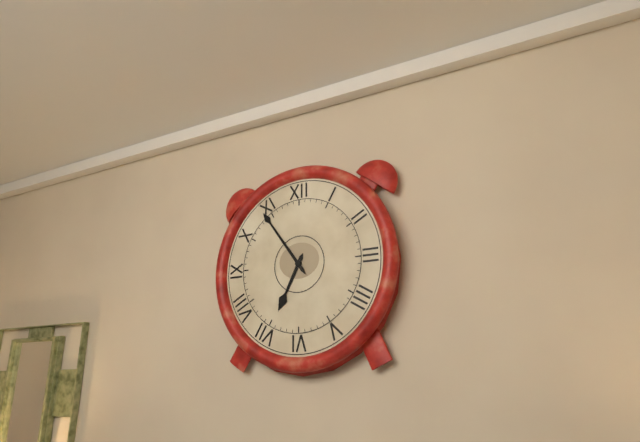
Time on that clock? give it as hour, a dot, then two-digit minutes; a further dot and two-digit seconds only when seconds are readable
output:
6.54
